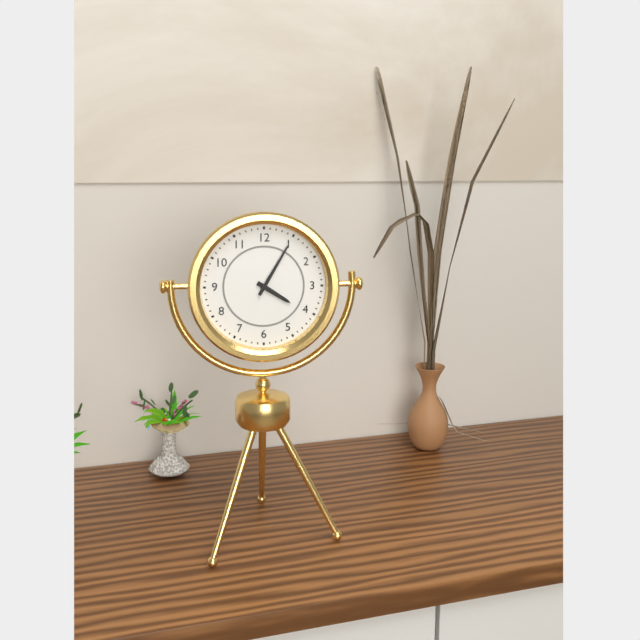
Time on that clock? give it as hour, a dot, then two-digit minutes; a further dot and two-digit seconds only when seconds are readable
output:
4.05
